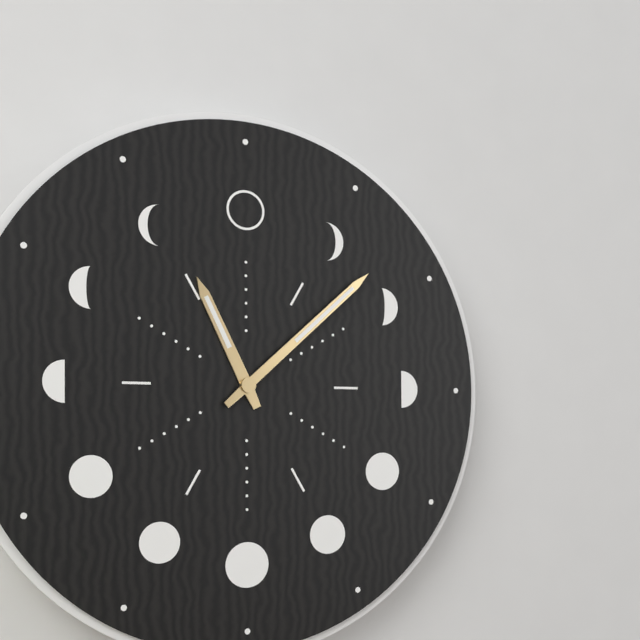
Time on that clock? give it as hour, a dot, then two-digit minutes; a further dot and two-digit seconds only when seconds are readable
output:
11.08
